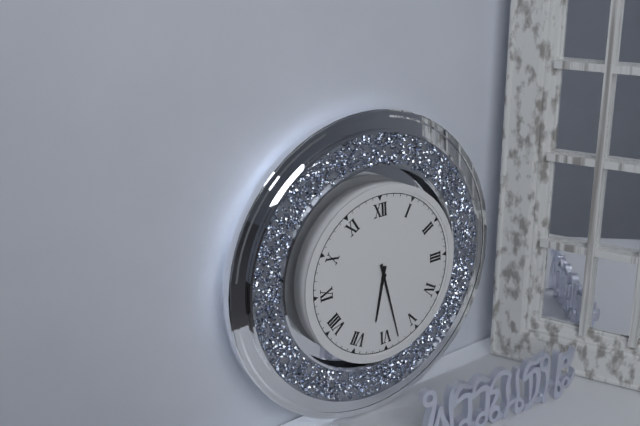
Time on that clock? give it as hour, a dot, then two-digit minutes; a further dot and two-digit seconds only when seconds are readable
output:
6.28
